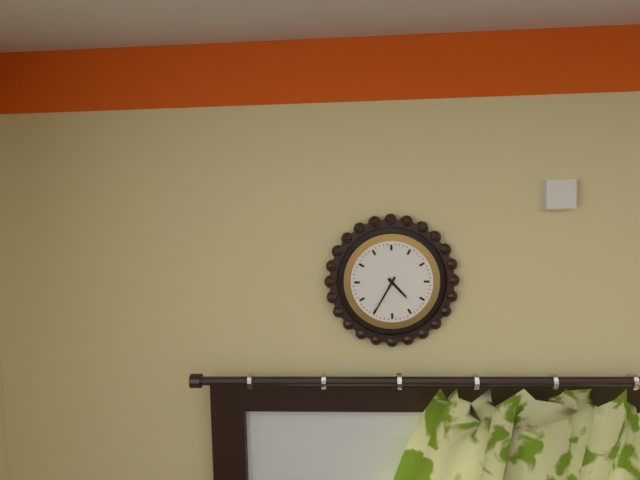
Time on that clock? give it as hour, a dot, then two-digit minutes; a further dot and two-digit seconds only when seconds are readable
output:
4.35
